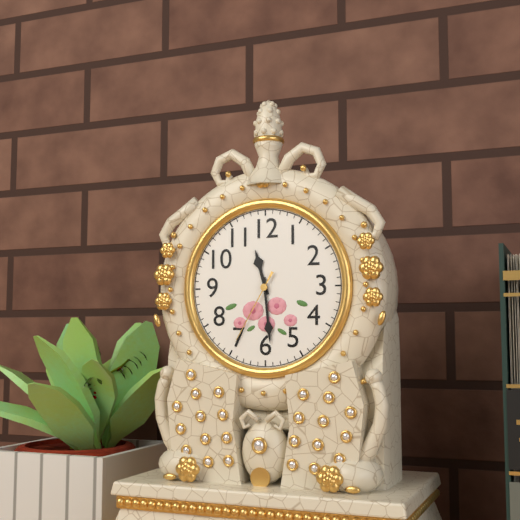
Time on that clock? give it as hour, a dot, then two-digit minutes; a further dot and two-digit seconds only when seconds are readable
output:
11.29.35
